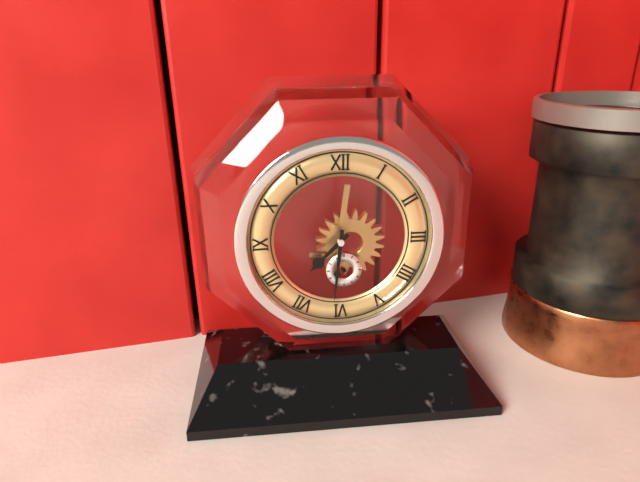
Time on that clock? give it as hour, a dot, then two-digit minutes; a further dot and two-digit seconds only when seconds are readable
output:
7.31
